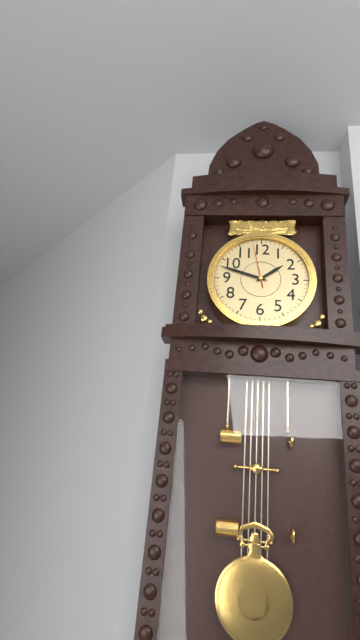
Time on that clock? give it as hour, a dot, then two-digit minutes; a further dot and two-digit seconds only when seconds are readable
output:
1.48
